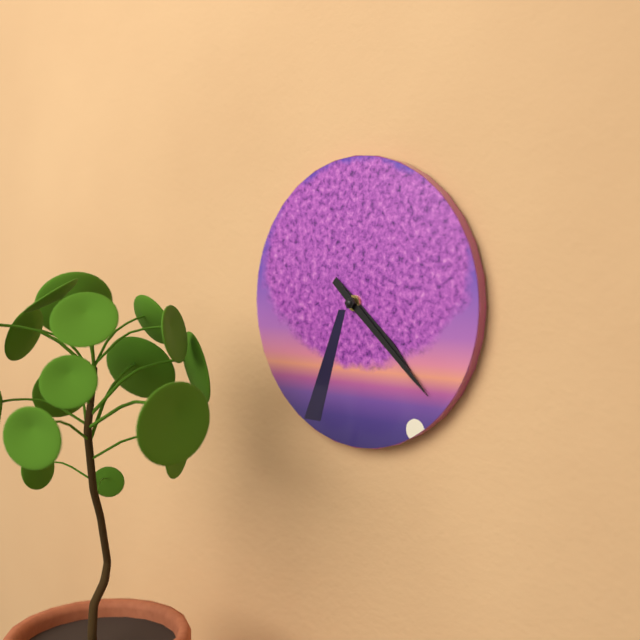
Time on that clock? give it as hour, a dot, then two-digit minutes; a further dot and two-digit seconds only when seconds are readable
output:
4.22
